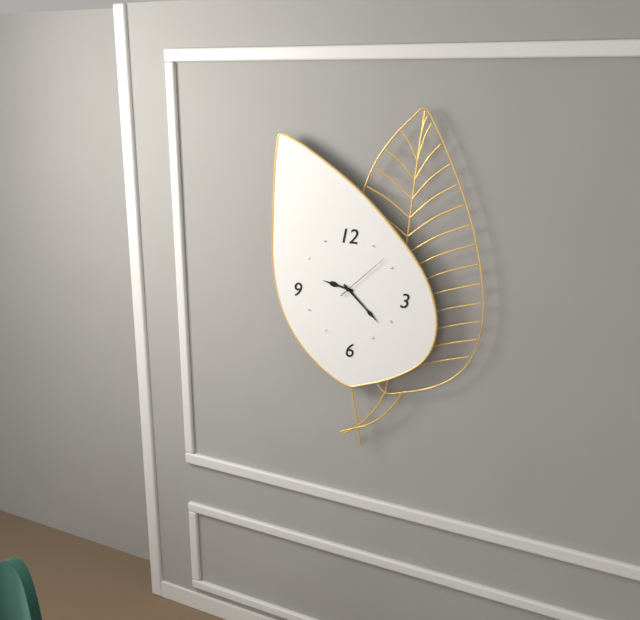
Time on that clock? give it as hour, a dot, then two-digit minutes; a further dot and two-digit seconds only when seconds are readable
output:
9.22.08
